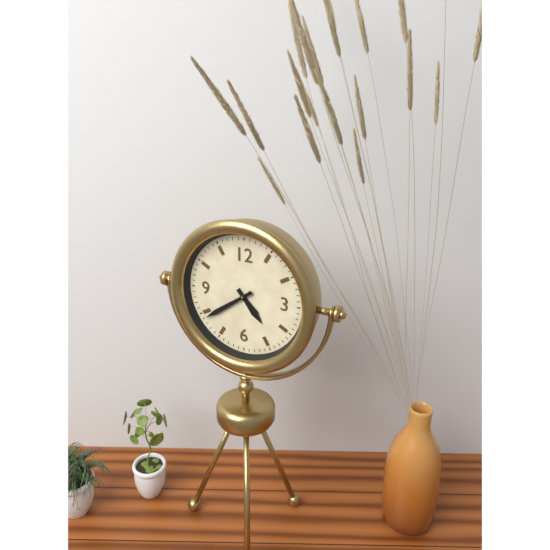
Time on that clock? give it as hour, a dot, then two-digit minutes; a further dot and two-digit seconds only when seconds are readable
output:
4.39
